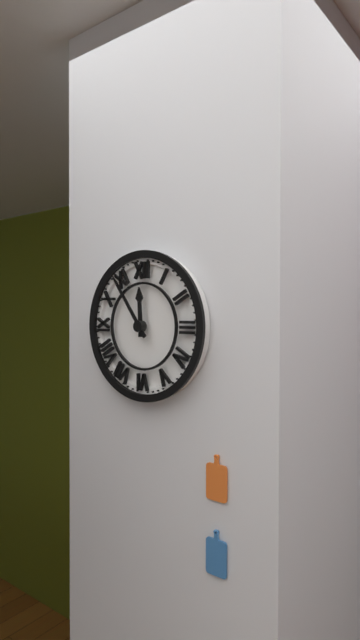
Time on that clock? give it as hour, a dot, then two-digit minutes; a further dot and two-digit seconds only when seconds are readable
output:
11.54
